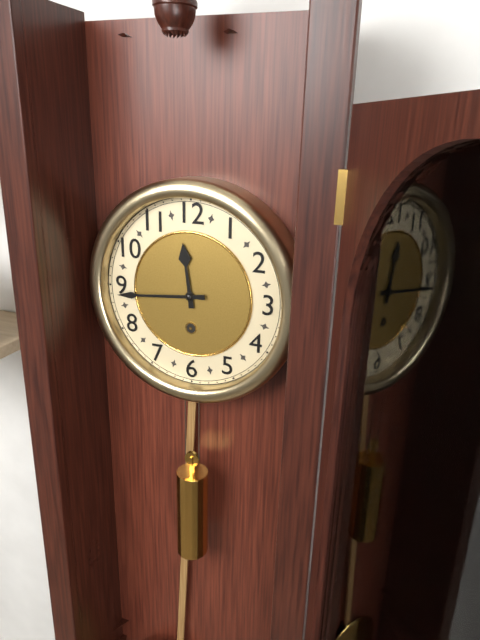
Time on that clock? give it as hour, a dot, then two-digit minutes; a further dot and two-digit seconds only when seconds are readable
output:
11.44
